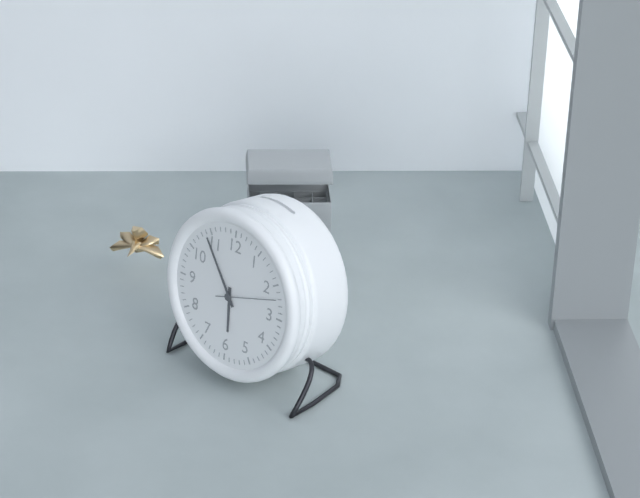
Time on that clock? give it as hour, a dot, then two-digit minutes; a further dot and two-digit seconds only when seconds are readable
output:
5.54.12
